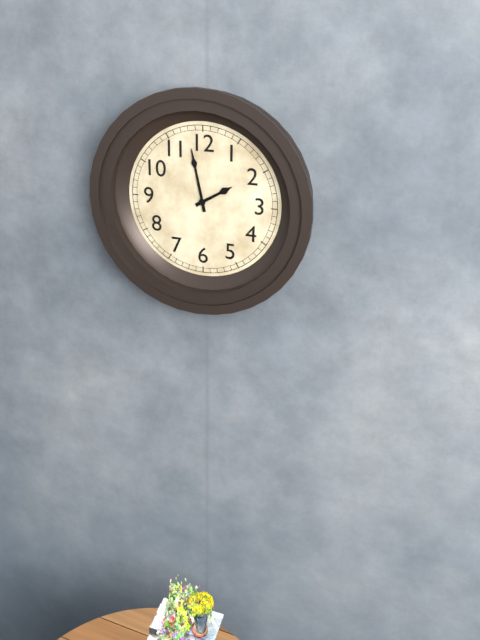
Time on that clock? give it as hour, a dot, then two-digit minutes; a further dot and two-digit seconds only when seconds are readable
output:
1.58
